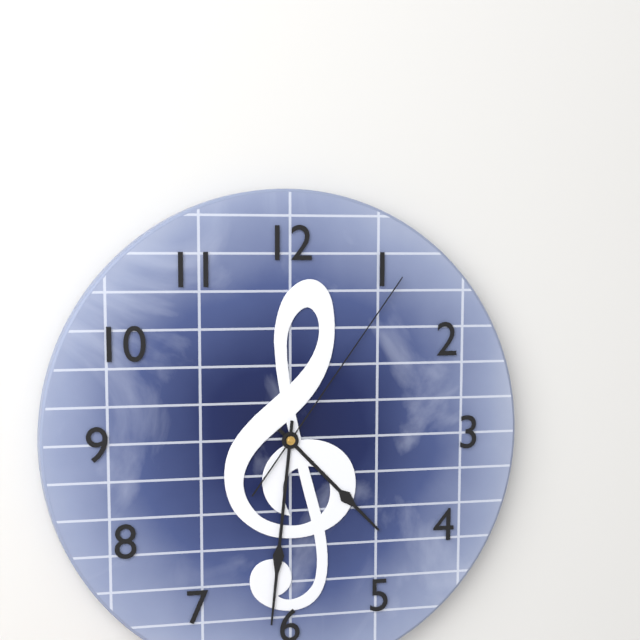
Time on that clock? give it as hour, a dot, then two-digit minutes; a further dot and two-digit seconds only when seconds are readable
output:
4.31.06
